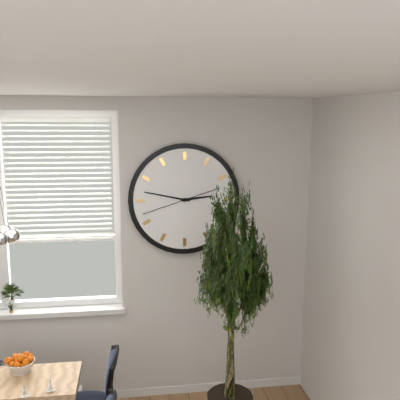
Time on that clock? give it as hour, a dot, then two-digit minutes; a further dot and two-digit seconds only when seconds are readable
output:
2.47.42
